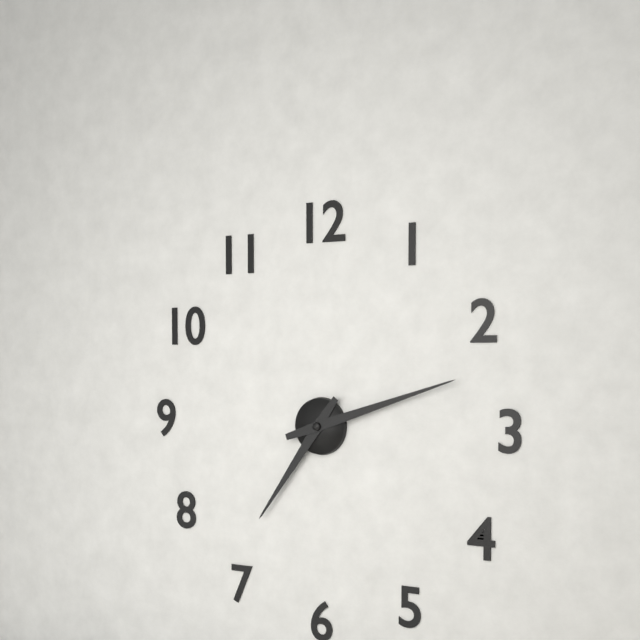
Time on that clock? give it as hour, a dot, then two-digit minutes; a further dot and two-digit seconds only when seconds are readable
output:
7.12
